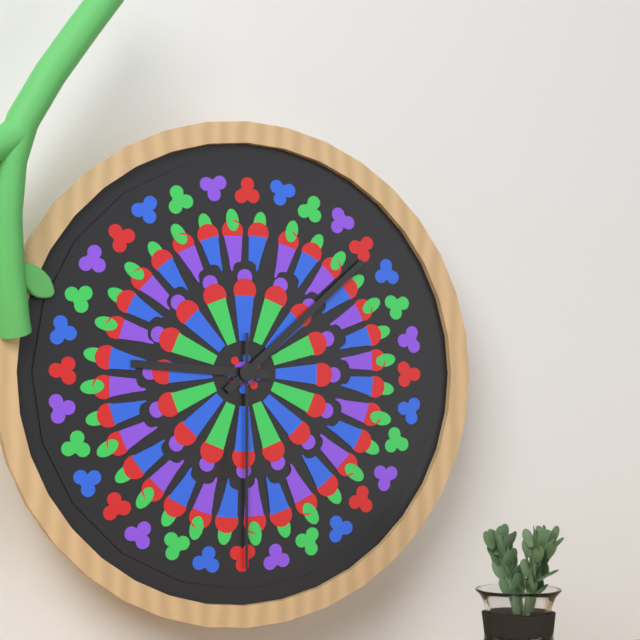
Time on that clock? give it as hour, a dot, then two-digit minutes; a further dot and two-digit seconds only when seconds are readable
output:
9.08.30
